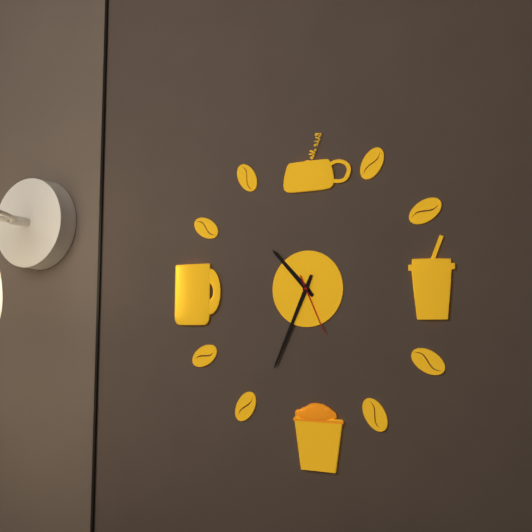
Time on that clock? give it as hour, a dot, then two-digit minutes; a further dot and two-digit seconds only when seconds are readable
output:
10.34.26
